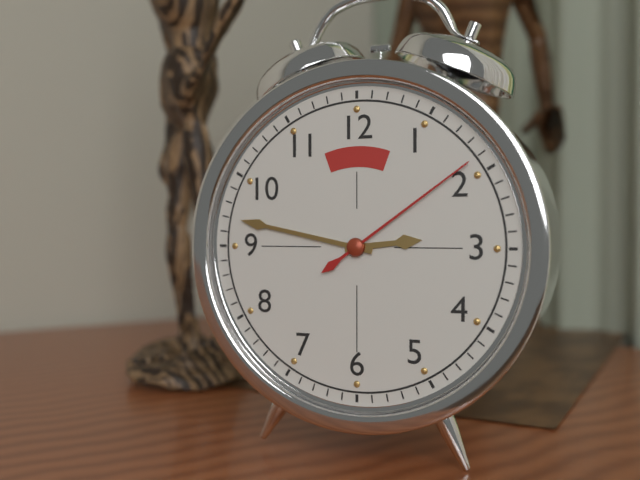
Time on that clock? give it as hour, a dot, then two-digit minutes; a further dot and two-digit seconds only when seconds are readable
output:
2.47.09
